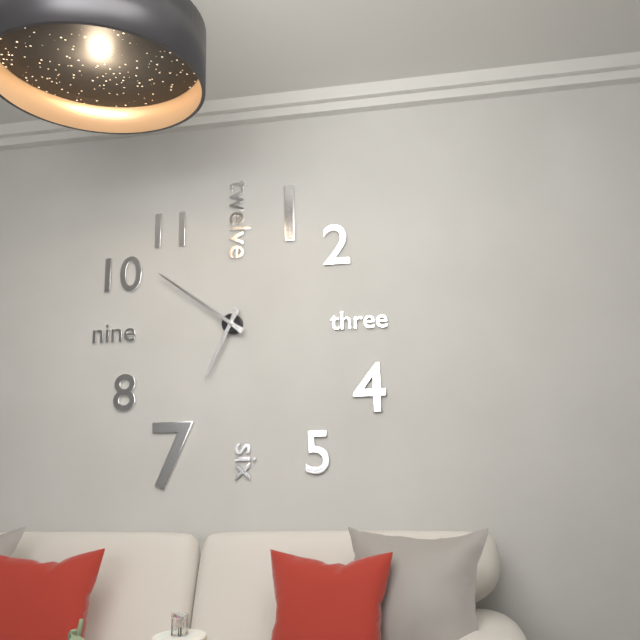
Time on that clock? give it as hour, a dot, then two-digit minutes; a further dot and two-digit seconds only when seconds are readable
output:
6.51
